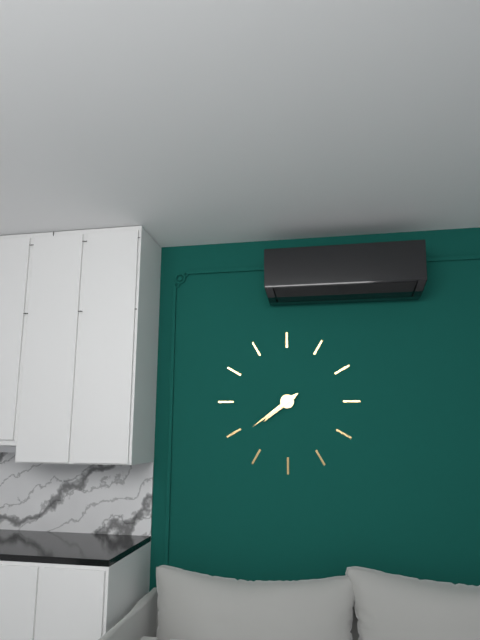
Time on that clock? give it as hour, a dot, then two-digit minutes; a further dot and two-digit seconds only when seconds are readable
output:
7.39
